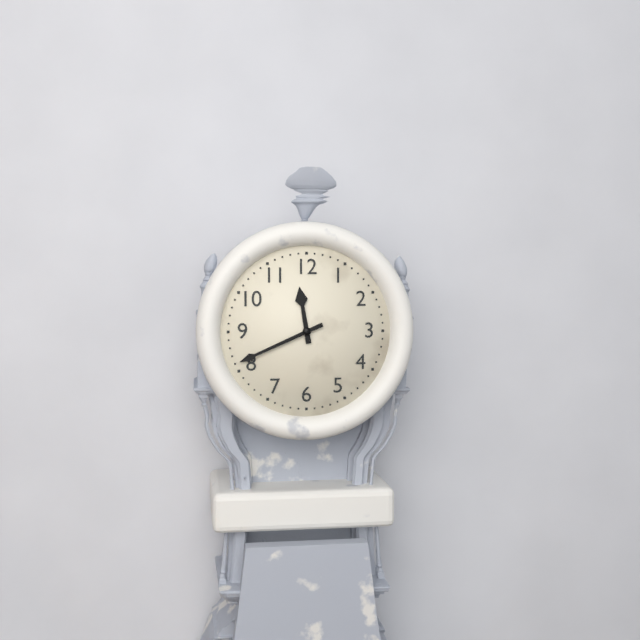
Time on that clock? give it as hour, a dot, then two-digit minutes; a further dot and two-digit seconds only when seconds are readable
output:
11.41
